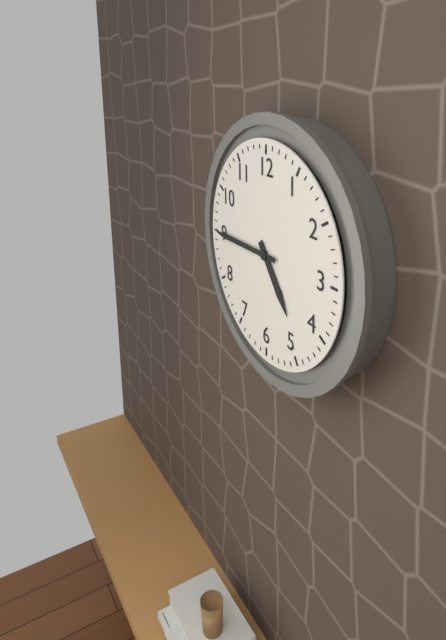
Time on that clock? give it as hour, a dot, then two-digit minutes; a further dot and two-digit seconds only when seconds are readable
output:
4.45
